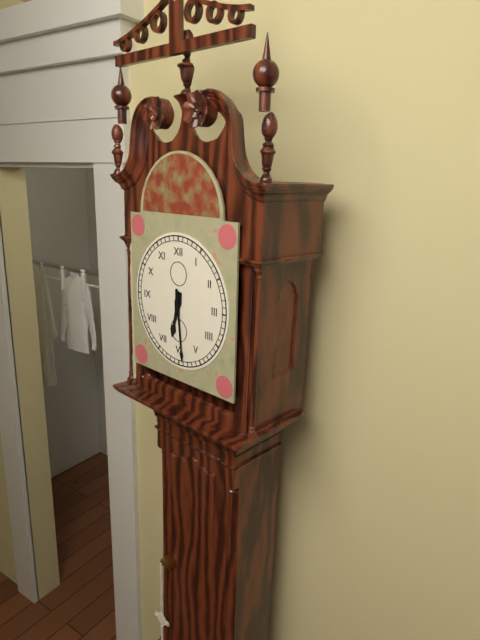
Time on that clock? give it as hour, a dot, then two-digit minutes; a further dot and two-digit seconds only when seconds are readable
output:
6.29
